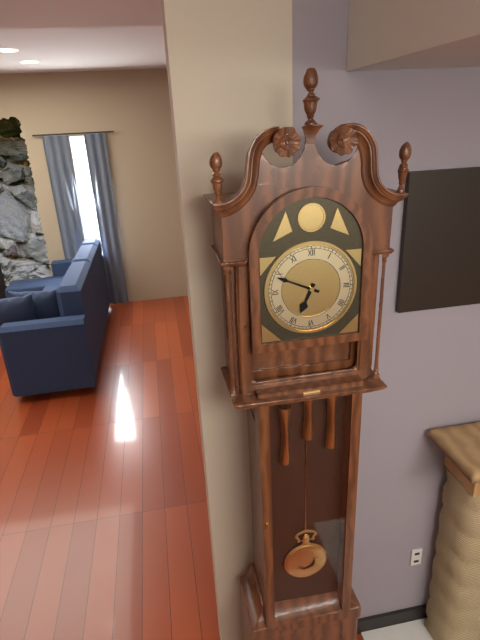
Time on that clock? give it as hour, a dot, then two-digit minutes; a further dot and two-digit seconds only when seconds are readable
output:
6.49
